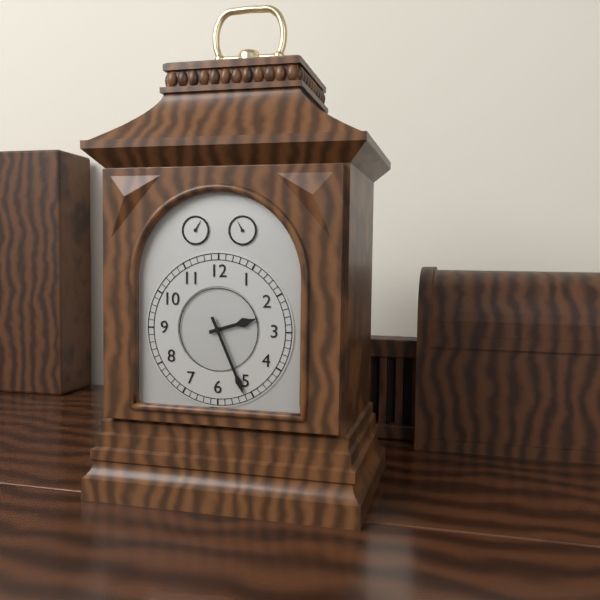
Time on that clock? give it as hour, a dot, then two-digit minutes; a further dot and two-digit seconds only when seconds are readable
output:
2.26
